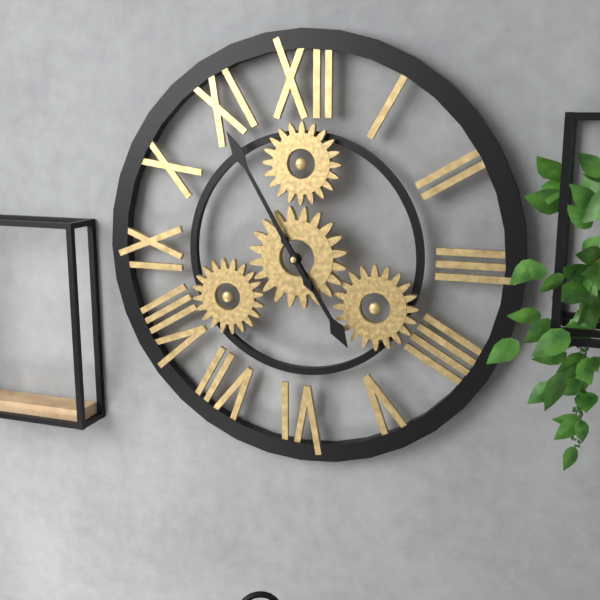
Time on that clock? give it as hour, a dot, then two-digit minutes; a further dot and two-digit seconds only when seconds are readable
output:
4.55
